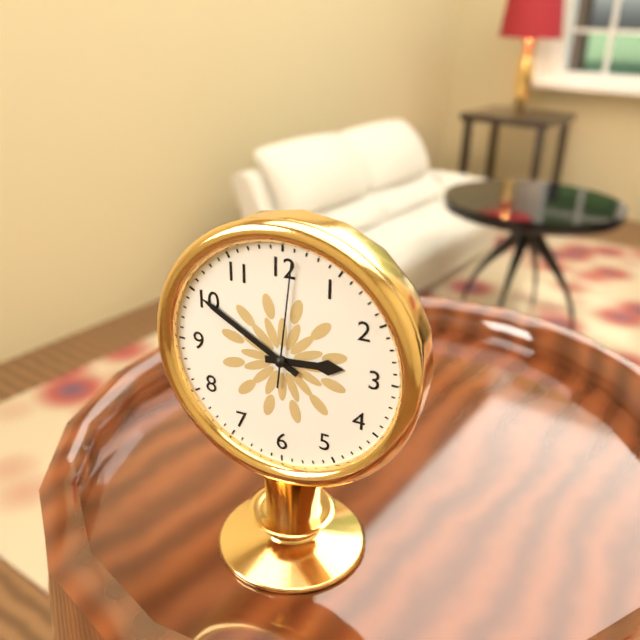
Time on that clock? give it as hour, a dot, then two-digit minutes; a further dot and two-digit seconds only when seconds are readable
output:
2.50.01
